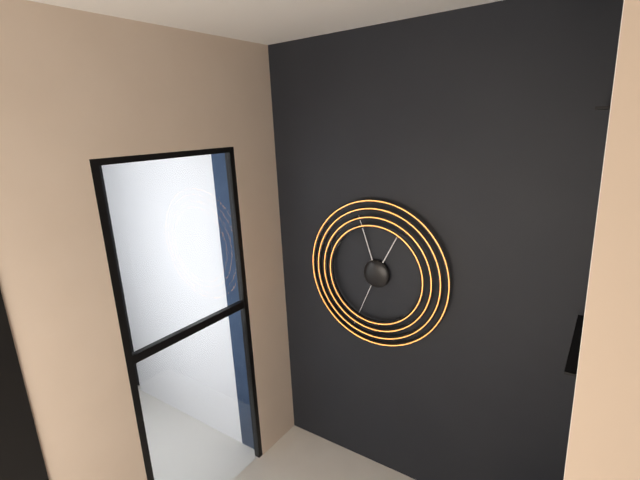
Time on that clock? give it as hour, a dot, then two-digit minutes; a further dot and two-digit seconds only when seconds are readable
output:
12.57.34
